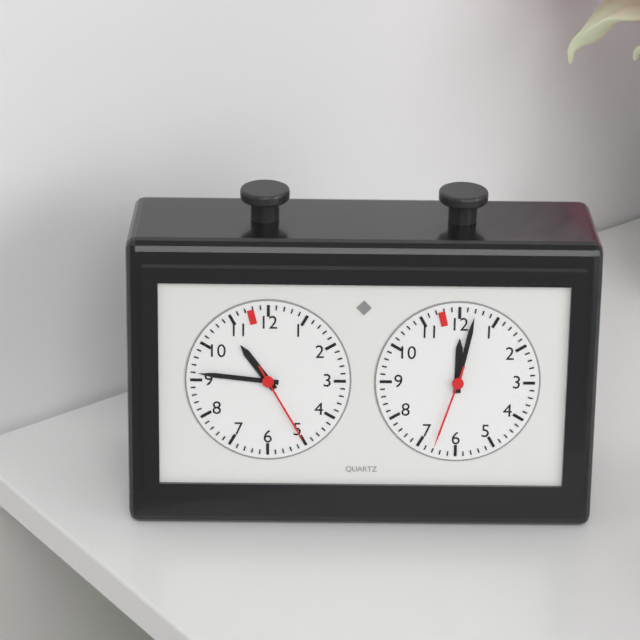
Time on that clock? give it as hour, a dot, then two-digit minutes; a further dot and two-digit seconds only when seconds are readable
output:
10.46.25
